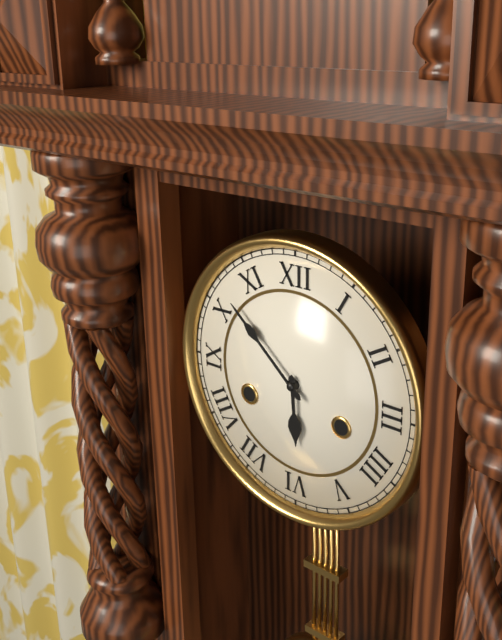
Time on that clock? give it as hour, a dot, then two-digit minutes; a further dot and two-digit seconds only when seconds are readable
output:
5.52
